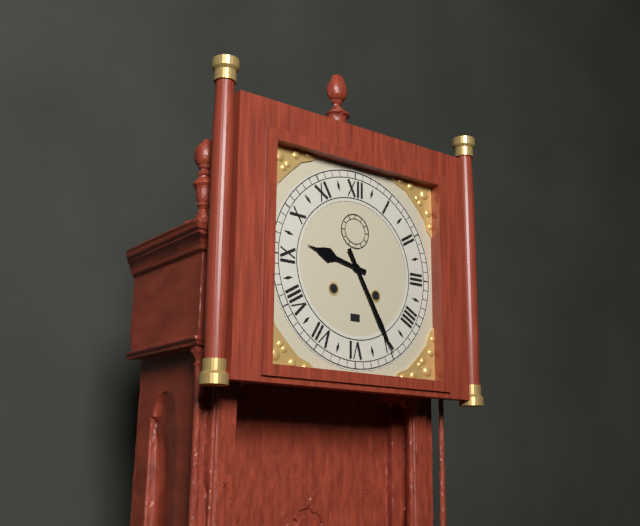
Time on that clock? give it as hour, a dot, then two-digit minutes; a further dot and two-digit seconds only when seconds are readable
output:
9.25
